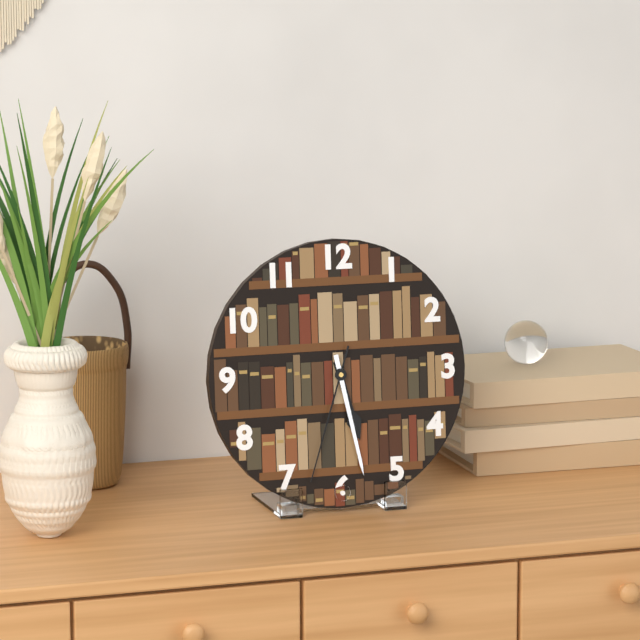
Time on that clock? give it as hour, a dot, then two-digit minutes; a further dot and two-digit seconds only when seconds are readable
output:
5.28.33
